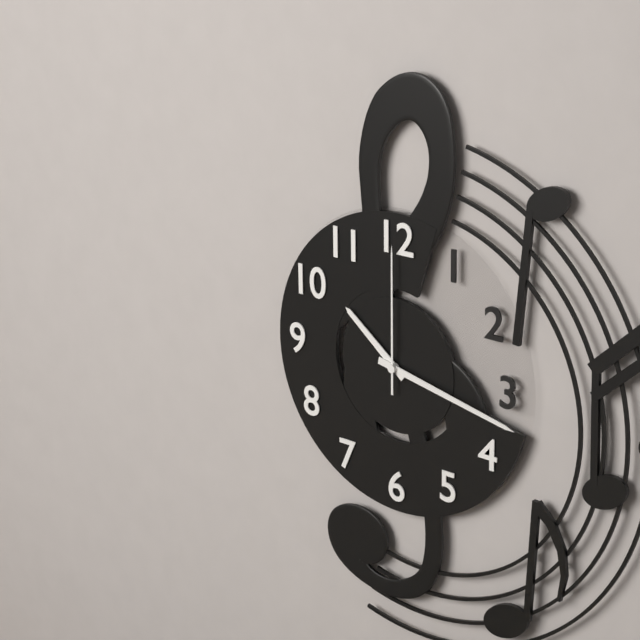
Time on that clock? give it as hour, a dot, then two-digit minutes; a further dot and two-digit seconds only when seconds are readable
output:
10.17.00
